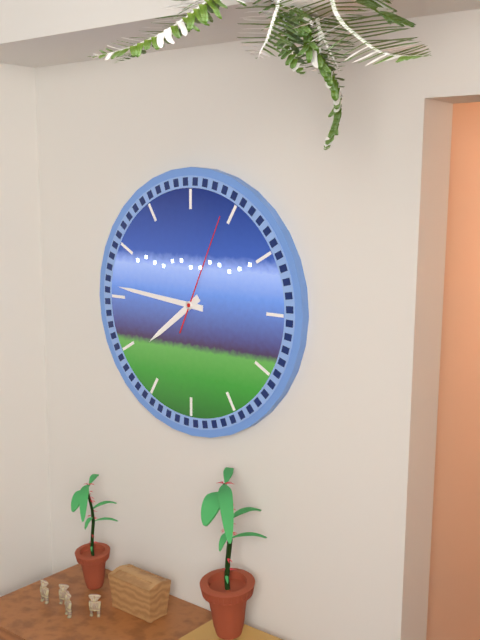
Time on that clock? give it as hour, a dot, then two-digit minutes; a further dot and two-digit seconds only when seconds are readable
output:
7.46.04
